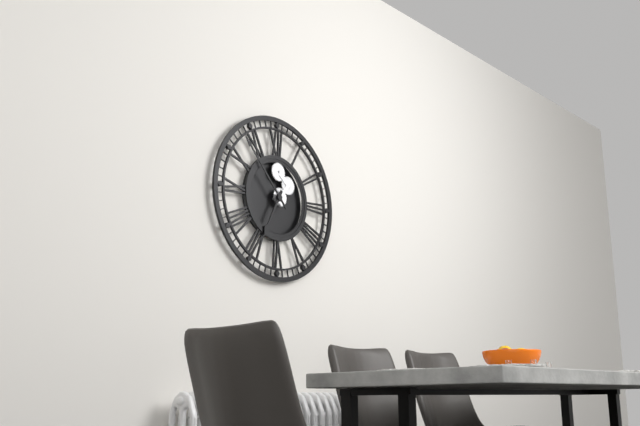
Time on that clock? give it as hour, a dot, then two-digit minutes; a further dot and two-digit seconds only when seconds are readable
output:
6.53
